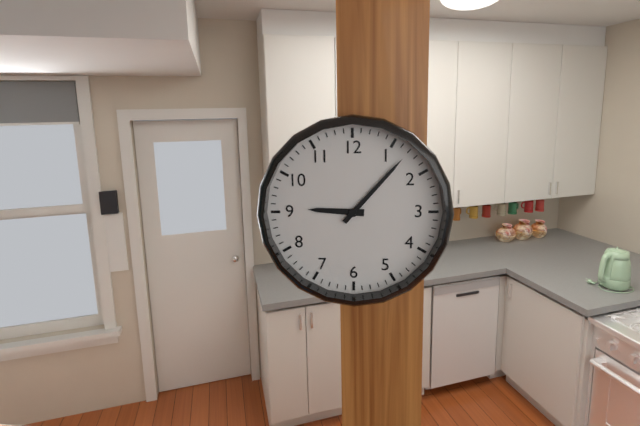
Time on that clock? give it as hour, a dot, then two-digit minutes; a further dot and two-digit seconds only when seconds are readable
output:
9.07
